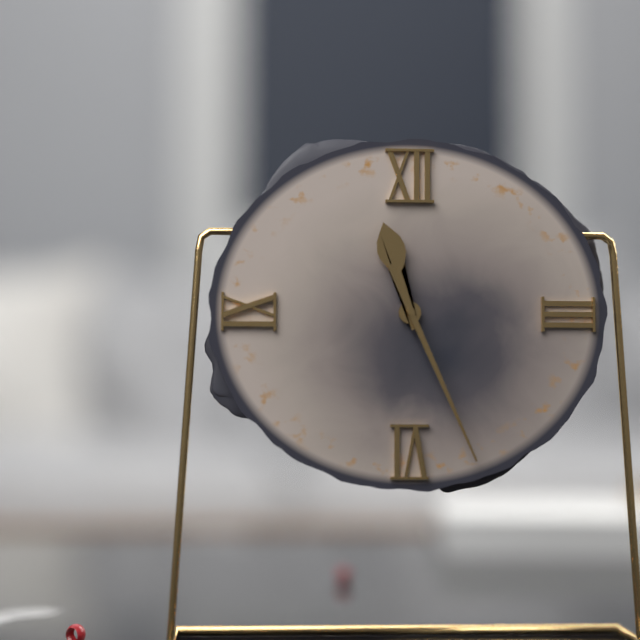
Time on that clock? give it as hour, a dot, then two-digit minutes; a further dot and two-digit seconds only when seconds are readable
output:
11.26
